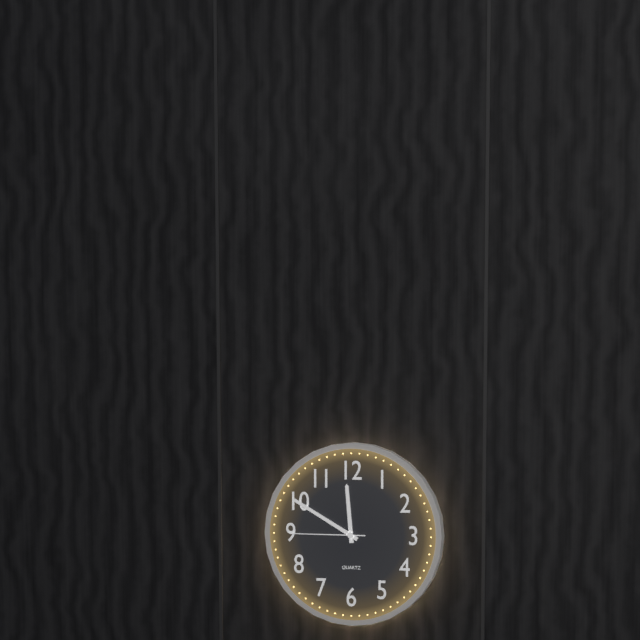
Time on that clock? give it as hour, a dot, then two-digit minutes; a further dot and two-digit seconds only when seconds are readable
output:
11.50.45
